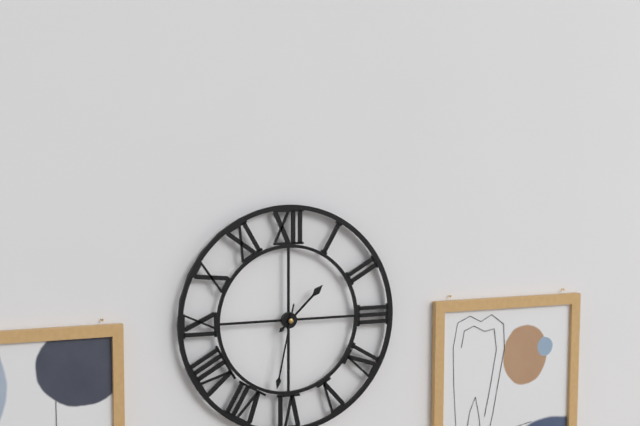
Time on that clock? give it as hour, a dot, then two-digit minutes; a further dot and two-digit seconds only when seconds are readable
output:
1.32
